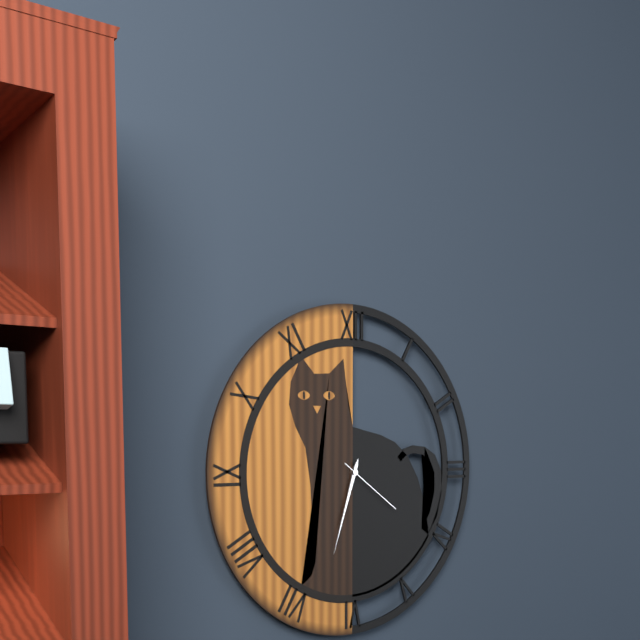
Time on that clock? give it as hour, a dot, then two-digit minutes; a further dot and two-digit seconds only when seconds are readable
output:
6.33.21
